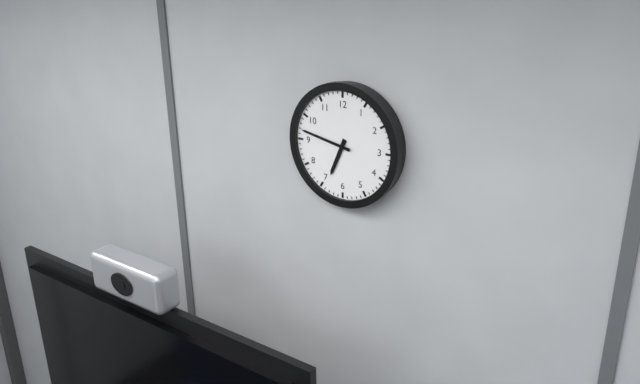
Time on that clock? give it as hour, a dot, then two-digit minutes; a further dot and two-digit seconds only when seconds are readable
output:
6.47
